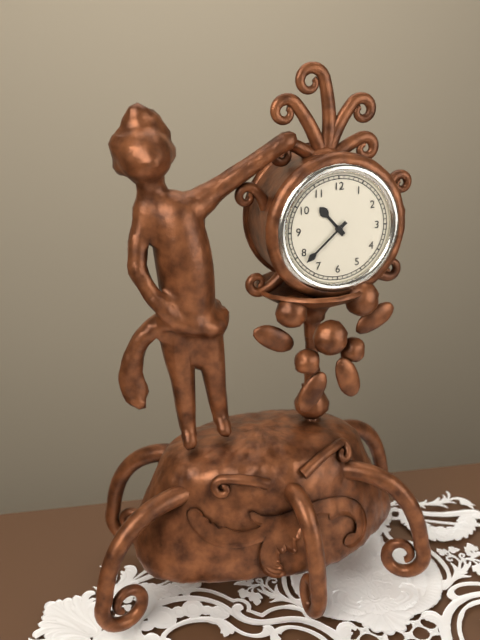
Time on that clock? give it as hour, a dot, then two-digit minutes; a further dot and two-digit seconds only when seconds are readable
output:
10.38
